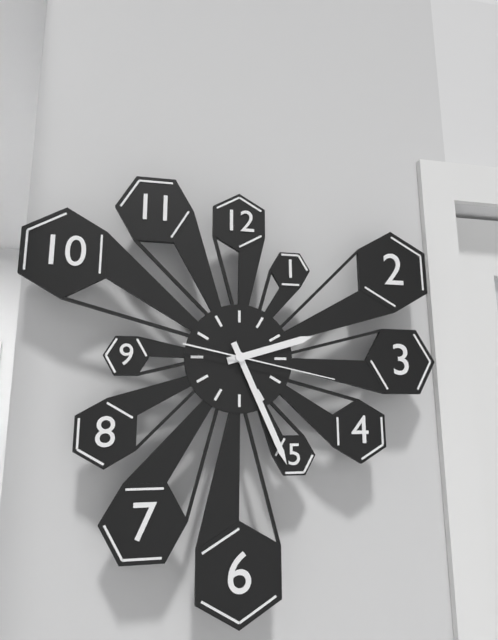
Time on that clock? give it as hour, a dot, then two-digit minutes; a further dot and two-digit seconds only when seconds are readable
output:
2.26.17
